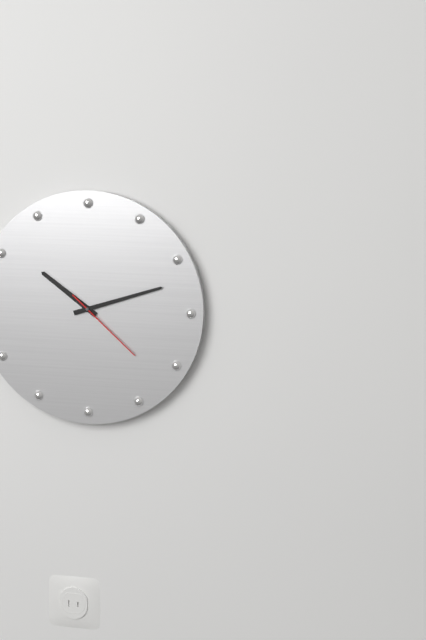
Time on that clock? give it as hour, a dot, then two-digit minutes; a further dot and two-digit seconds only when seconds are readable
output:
10.12.22
